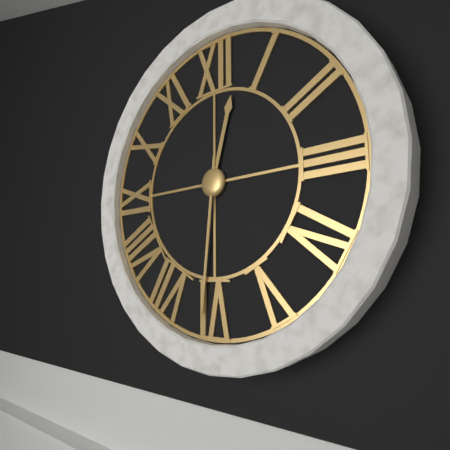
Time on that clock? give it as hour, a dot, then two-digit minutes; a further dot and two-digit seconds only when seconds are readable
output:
12.31
